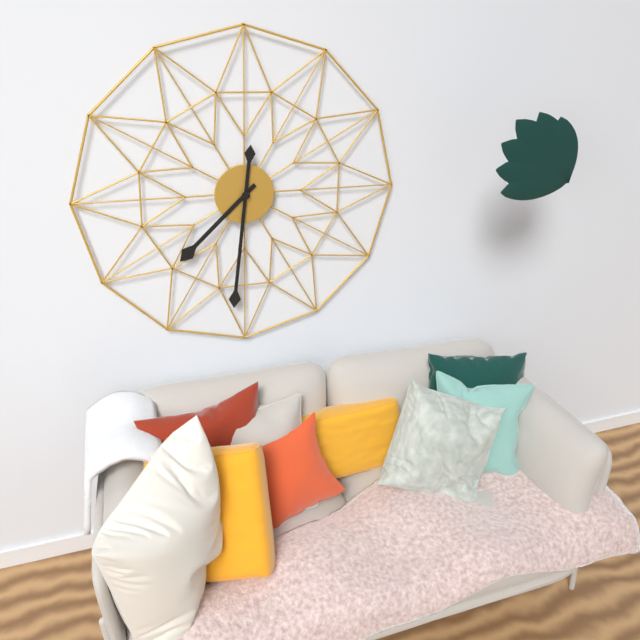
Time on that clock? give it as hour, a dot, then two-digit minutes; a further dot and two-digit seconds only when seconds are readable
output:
7.31
